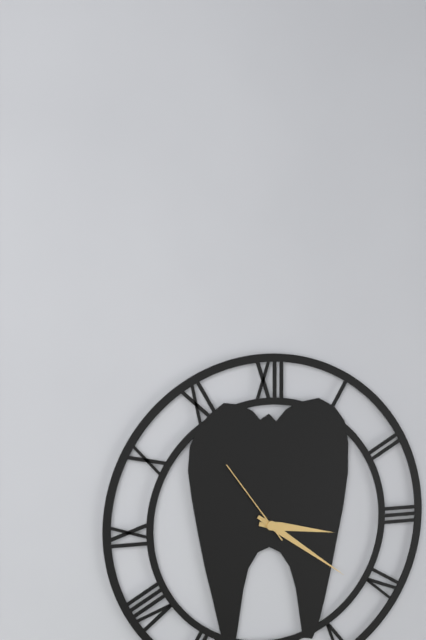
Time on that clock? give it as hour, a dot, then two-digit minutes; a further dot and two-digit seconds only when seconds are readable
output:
3.21.54
